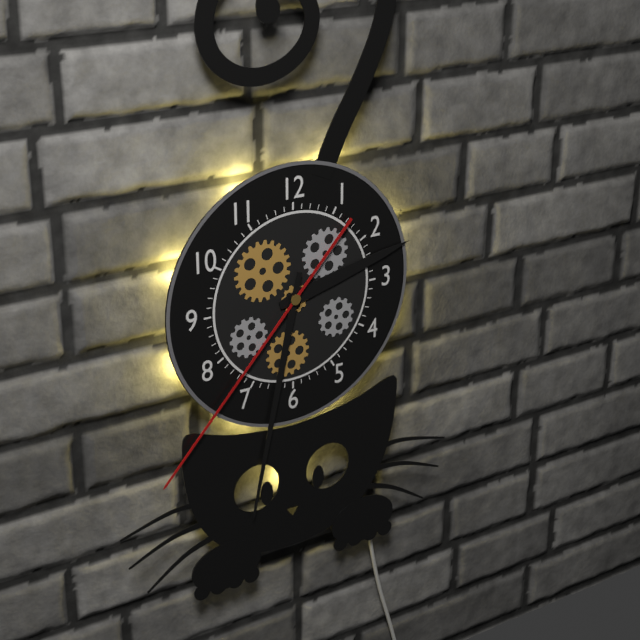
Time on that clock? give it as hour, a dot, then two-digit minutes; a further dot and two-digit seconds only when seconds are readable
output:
2.32.37
